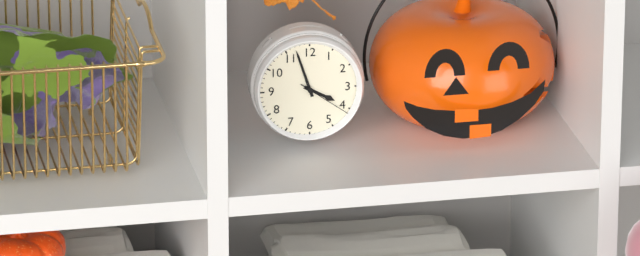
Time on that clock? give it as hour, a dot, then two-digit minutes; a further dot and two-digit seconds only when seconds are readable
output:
3.57.21
